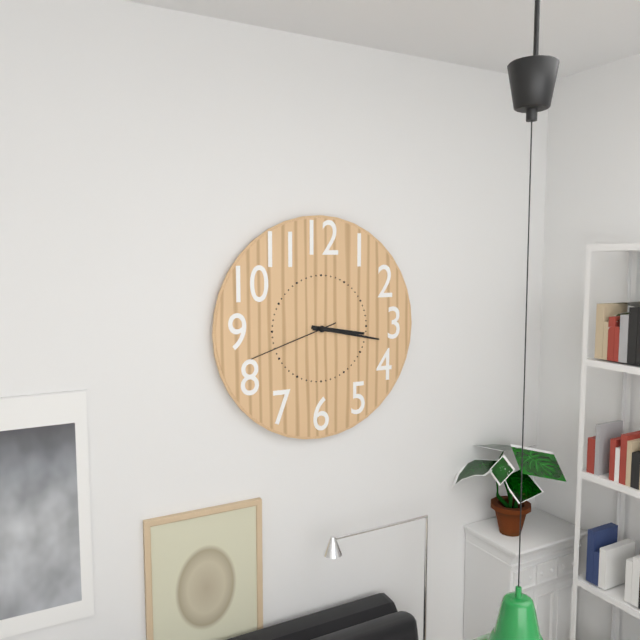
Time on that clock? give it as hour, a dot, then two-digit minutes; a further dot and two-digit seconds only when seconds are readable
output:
3.17.42
